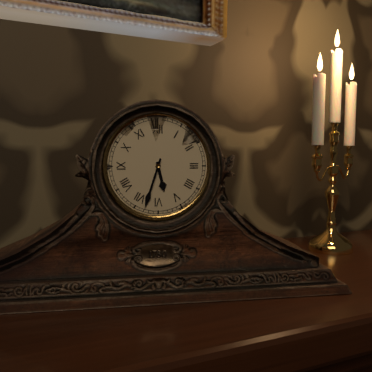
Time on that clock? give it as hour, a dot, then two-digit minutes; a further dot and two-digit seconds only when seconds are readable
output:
5.33
